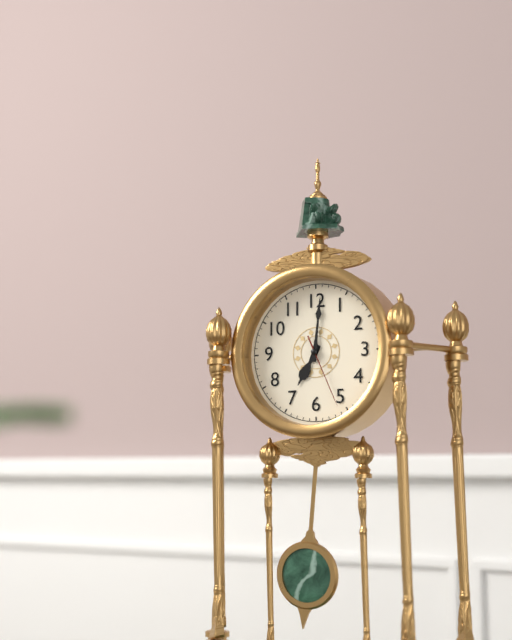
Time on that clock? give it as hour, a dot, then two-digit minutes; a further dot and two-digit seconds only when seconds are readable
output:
7.01.26
